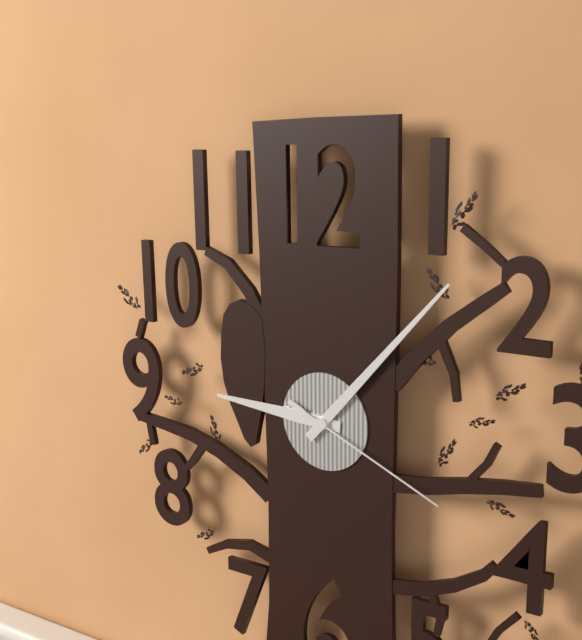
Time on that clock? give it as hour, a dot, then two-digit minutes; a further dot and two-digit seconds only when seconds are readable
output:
9.07.19
